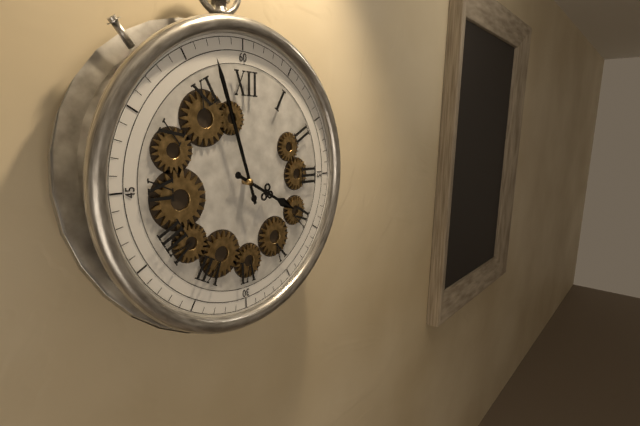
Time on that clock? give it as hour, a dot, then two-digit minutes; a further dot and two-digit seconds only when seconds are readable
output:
3.57
